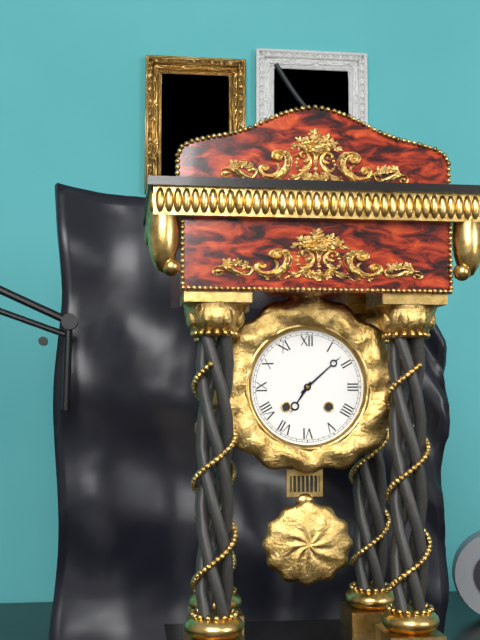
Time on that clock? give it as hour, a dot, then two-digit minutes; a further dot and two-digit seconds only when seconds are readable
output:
7.08
